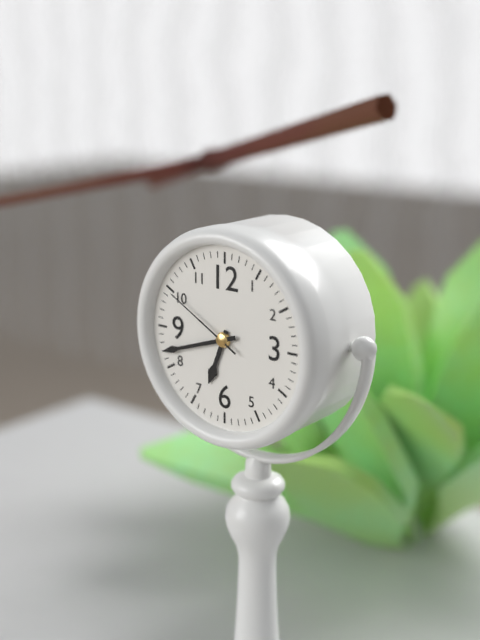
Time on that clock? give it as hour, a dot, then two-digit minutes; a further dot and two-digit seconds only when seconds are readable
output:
6.42.50
